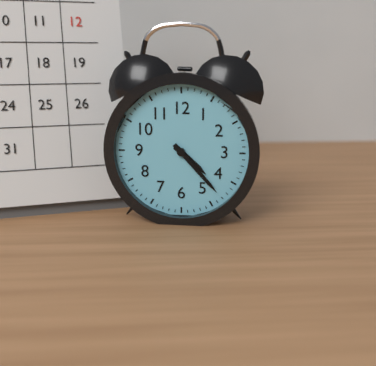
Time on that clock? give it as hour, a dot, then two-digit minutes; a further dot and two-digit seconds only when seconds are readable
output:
4.23
